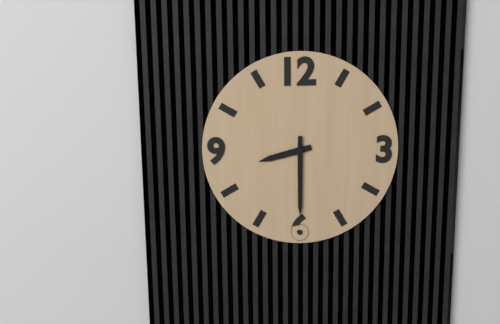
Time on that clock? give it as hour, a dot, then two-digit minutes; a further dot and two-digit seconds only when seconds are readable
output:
8.30
